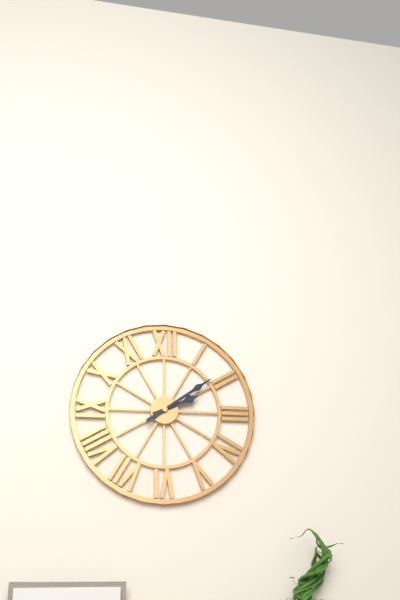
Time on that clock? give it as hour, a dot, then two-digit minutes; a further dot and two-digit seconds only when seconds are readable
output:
2.09
